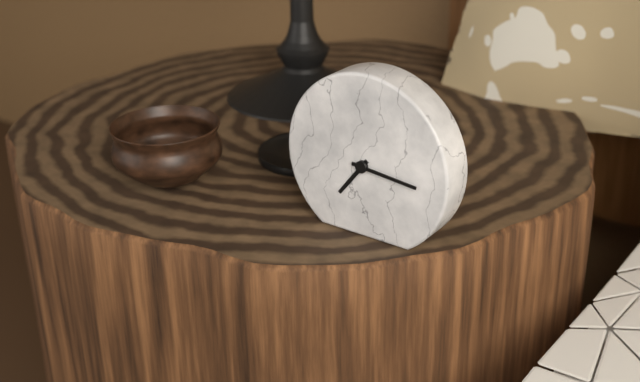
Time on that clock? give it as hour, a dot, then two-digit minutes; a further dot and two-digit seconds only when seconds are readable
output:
7.16
